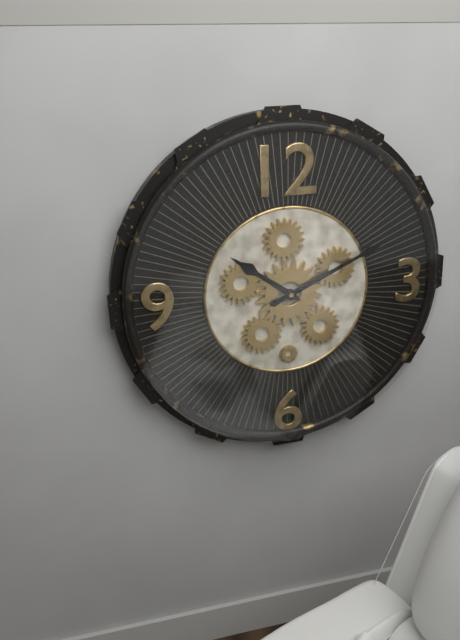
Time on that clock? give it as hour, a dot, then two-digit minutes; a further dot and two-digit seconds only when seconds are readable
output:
10.11
